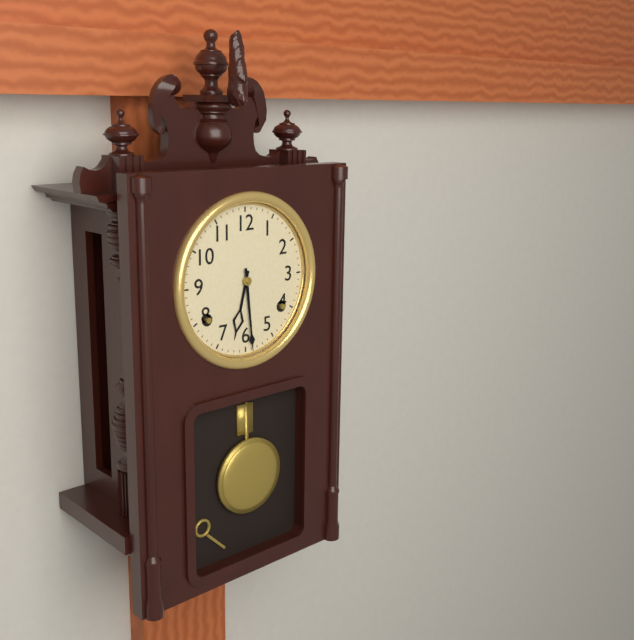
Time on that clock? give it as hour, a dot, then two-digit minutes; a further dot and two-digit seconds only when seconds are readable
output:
6.29
